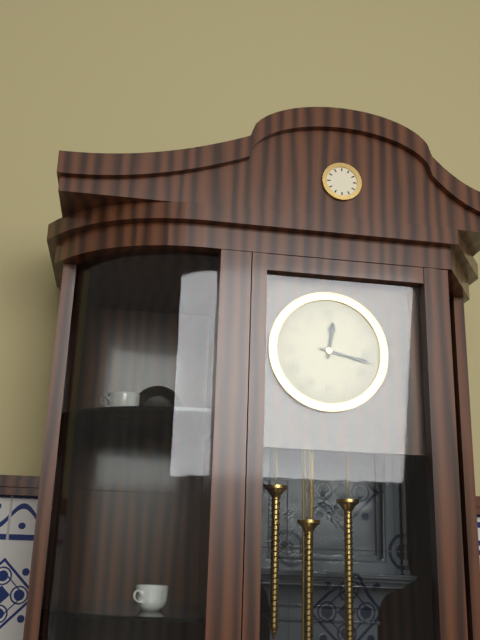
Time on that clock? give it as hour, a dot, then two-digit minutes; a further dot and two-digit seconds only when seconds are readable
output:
12.17
